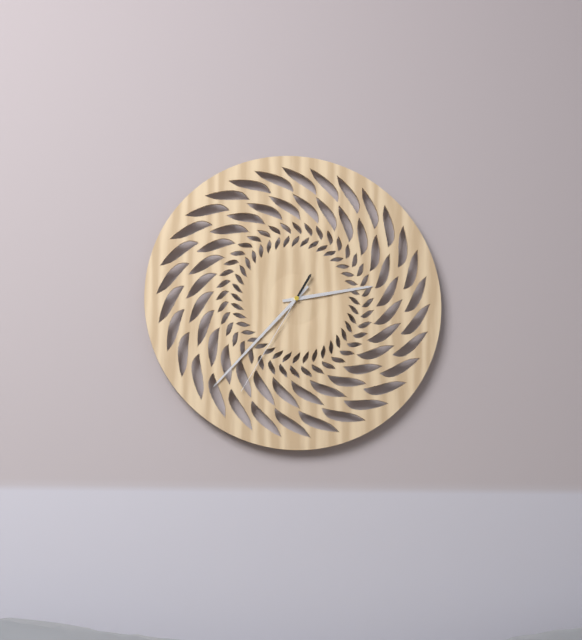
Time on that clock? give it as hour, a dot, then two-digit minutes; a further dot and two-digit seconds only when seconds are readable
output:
2.37.35
